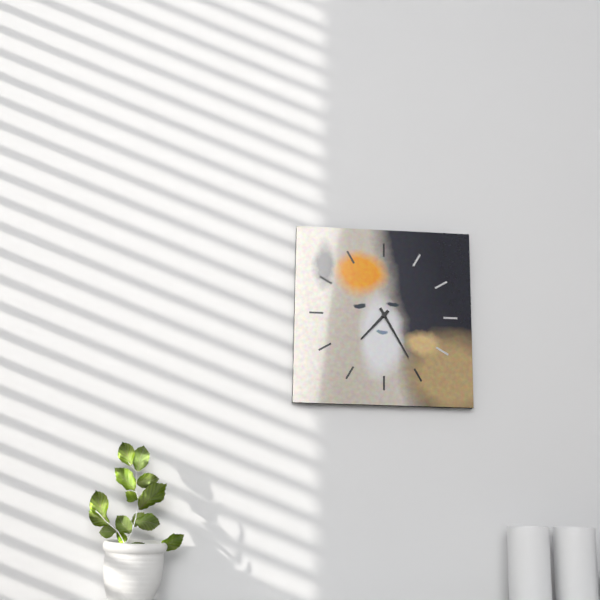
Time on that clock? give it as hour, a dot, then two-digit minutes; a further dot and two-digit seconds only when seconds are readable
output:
7.25
